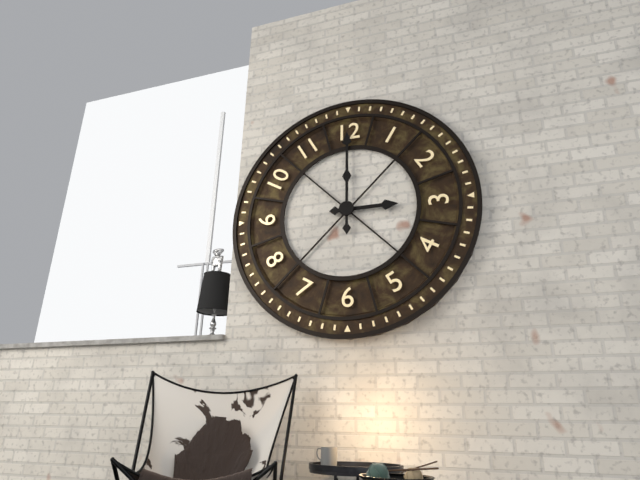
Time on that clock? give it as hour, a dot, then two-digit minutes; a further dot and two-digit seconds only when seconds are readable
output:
3.00
